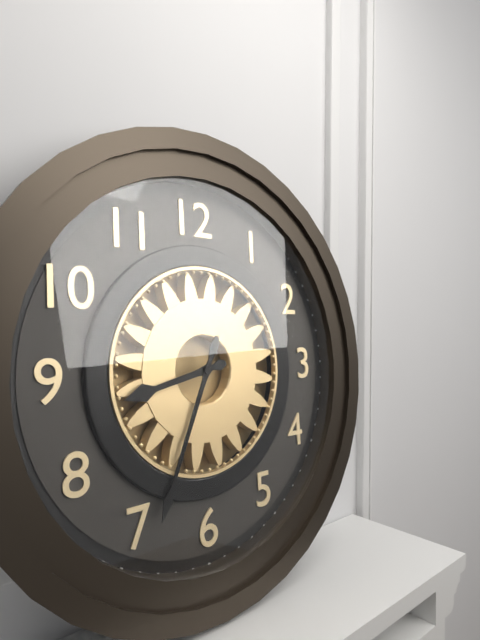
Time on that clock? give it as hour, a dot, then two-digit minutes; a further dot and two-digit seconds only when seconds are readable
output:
8.34
